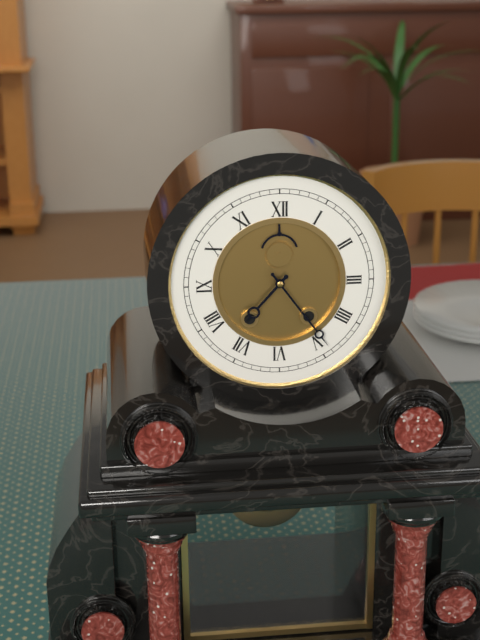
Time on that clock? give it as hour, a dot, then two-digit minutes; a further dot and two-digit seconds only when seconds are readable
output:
7.24
